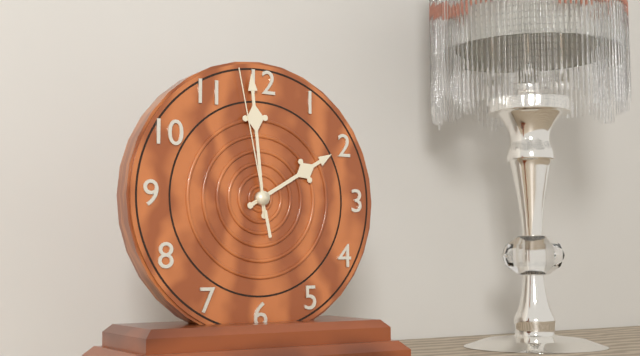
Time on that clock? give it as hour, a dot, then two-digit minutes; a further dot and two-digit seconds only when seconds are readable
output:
1.59.58
